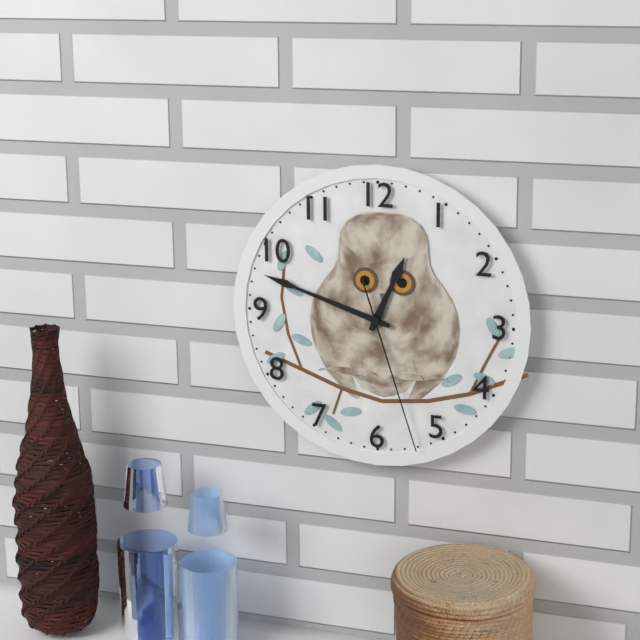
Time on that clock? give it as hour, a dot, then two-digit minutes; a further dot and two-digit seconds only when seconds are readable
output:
12.48.27
